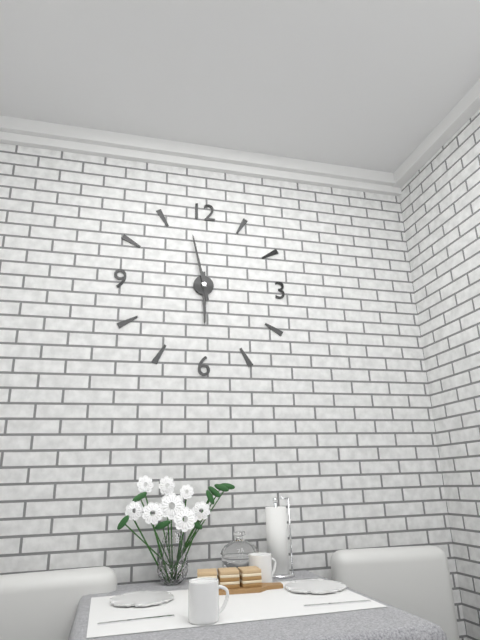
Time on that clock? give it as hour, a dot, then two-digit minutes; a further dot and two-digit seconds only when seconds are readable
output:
5.58
